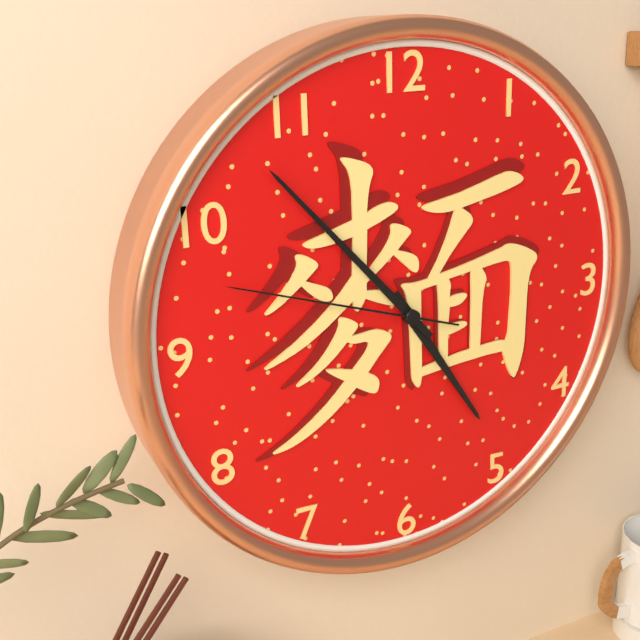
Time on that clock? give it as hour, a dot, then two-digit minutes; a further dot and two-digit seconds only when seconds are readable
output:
4.53.48
